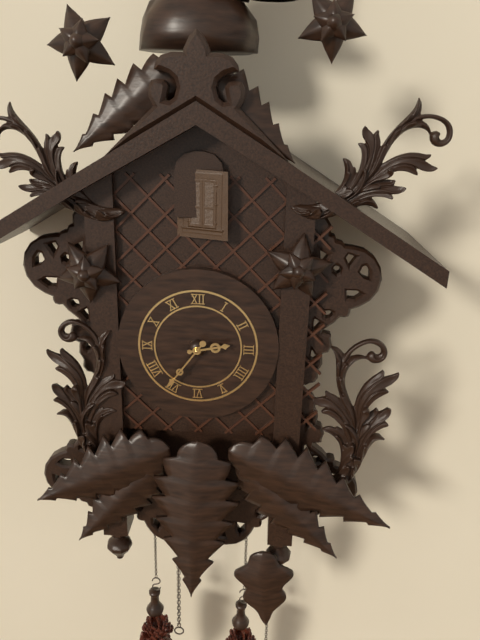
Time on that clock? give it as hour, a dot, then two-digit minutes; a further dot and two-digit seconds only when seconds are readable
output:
2.36
